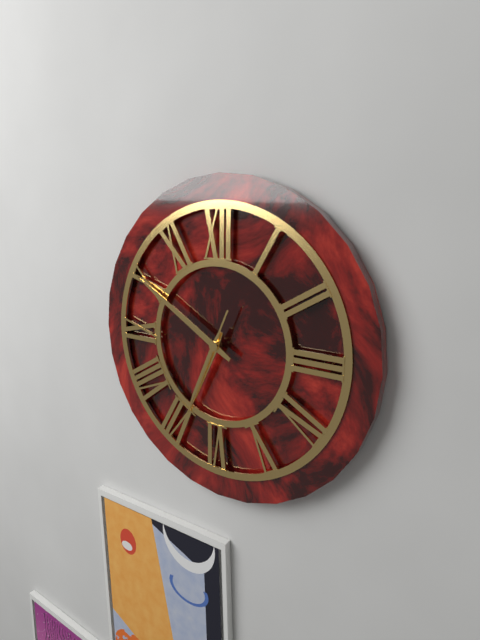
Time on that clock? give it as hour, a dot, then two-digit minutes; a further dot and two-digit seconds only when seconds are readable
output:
6.50.34
